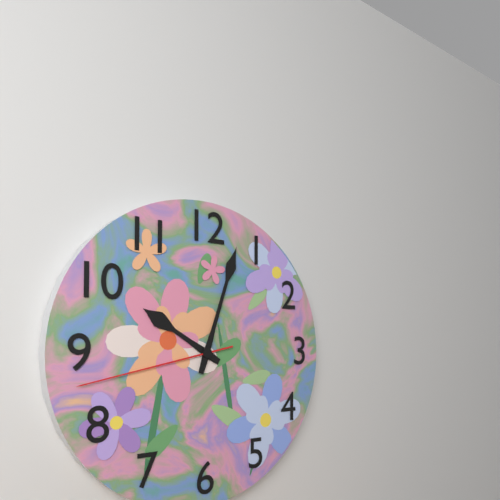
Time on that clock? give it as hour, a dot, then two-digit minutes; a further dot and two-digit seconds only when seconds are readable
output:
10.03.43
